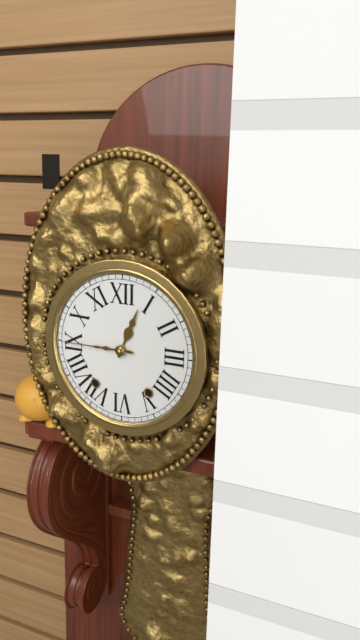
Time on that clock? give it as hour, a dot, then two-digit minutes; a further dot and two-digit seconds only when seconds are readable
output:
12.45
